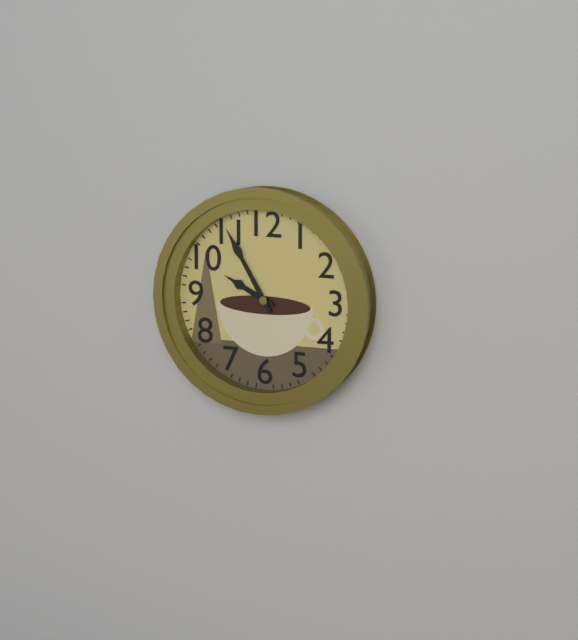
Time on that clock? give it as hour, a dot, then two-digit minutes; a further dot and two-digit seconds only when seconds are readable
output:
9.55
